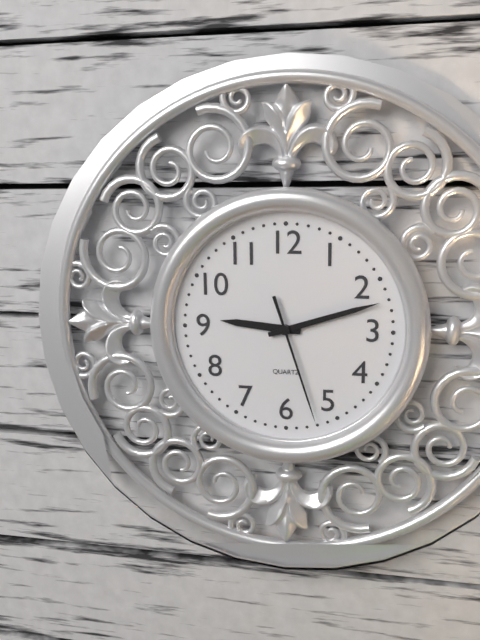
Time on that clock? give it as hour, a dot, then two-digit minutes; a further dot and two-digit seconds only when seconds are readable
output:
9.12.27
